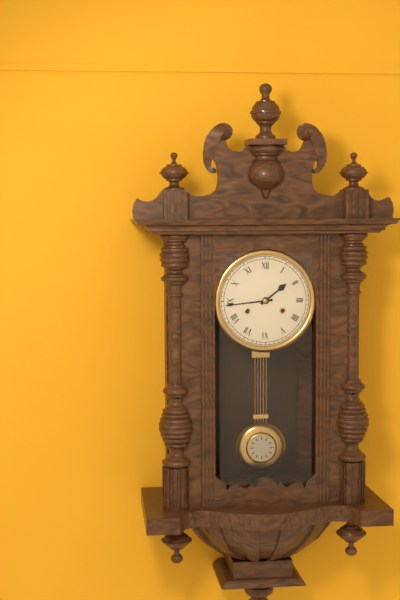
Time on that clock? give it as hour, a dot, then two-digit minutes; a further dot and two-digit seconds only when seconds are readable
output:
1.44
